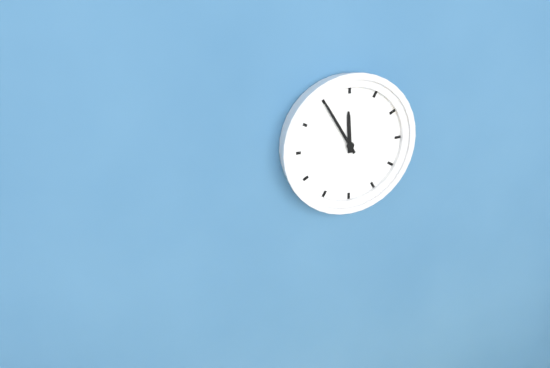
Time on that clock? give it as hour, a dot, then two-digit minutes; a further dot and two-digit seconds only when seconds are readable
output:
11.55
